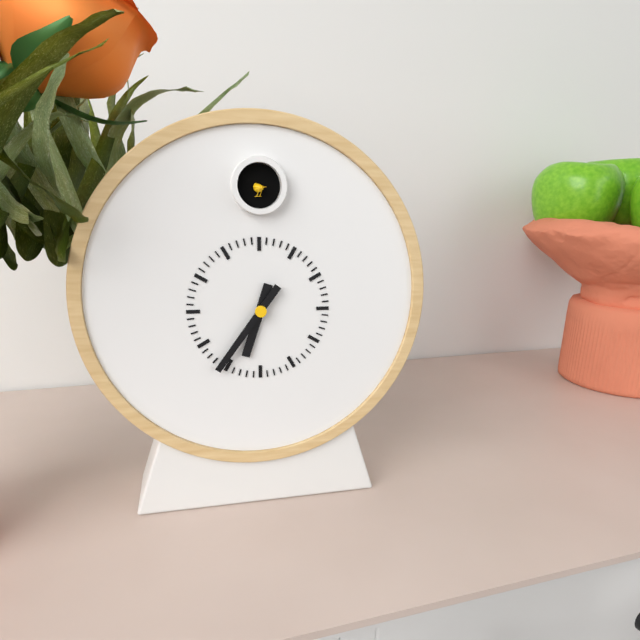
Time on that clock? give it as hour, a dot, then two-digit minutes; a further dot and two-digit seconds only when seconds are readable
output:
6.36
